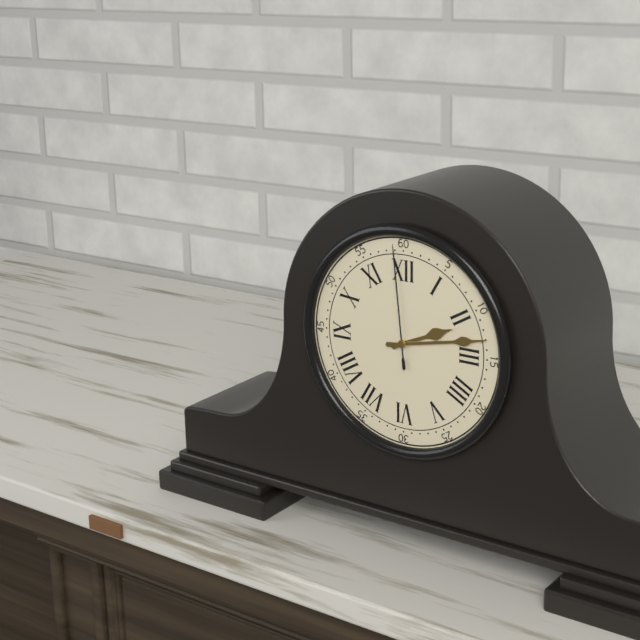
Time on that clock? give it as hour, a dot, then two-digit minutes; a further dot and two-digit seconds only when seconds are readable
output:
2.13.59
